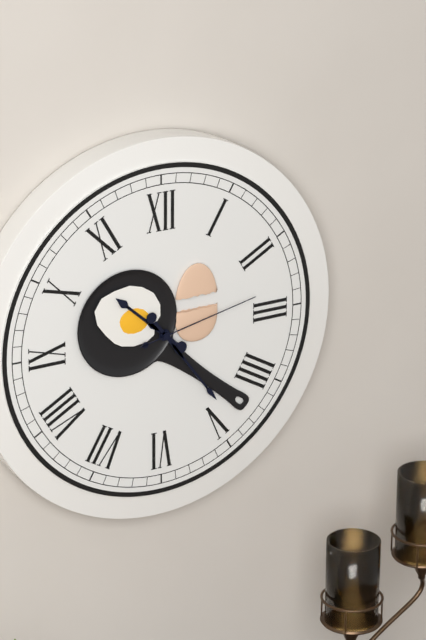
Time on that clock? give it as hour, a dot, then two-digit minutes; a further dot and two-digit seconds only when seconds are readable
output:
10.24.13
